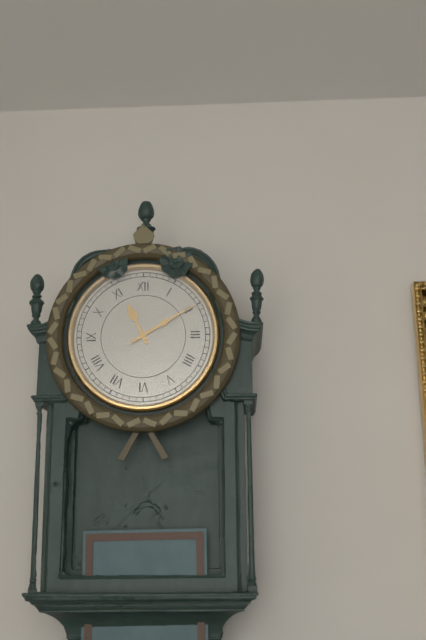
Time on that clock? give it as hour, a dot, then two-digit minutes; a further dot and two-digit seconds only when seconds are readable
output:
11.10
